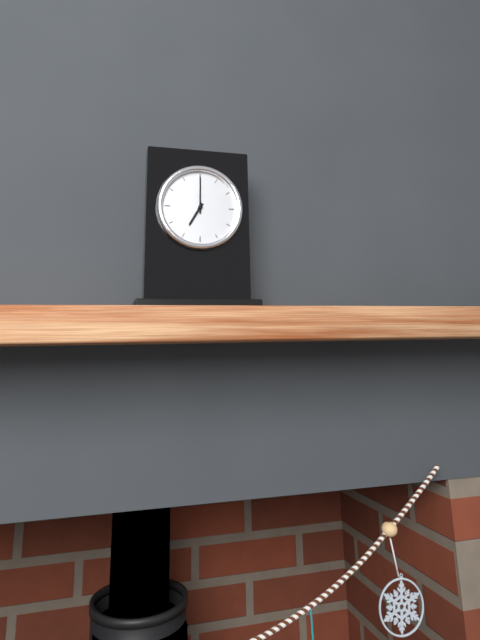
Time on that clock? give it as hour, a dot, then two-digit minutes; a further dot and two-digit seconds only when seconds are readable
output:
7.00
